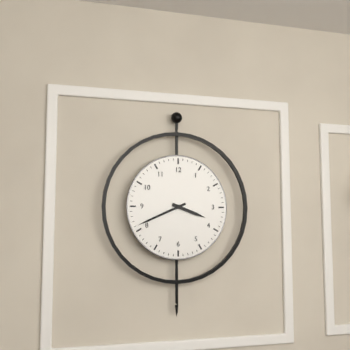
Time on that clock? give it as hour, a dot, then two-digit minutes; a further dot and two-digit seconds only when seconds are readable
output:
3.41
